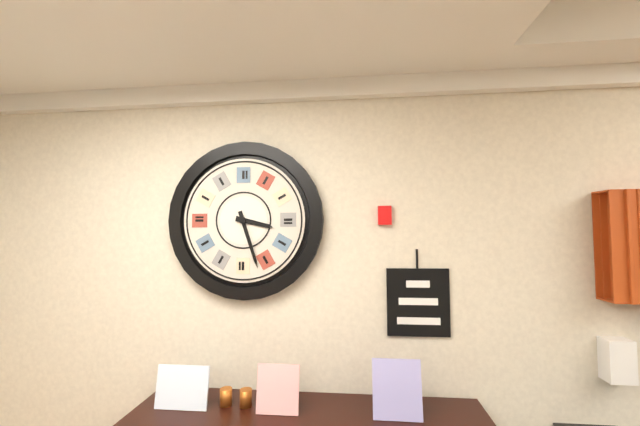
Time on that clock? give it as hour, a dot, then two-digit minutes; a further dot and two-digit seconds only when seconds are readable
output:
3.27
